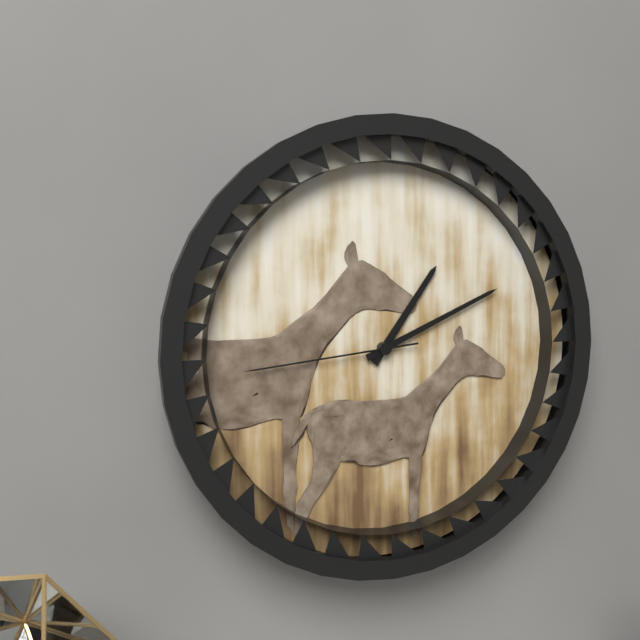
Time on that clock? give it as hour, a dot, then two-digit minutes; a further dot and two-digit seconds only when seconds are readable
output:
1.11.44
